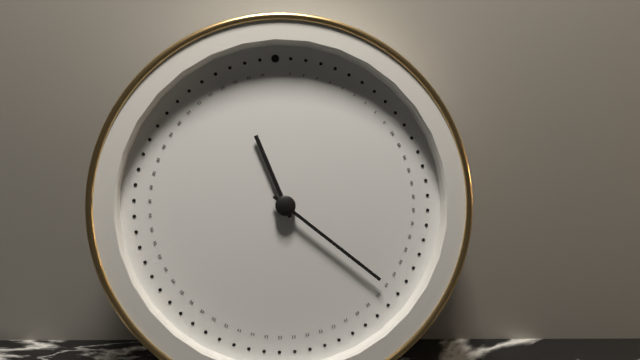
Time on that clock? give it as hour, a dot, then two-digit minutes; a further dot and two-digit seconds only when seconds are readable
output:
11.22
